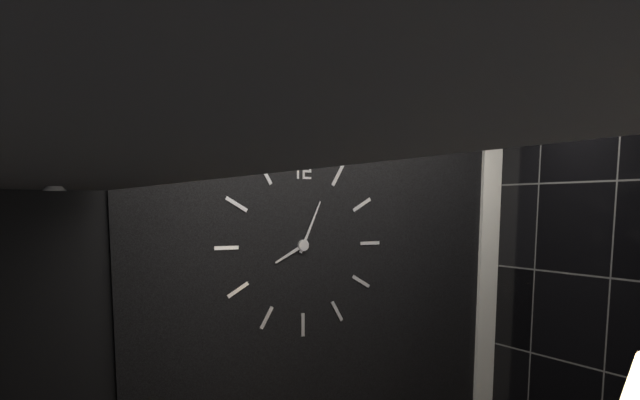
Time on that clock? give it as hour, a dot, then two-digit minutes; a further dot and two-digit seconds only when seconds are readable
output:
8.04
